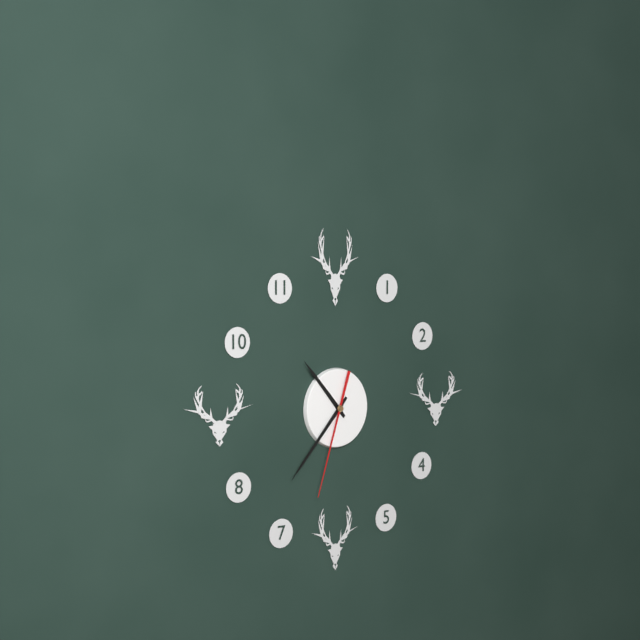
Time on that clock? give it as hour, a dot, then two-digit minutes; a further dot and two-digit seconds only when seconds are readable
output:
10.37.33
